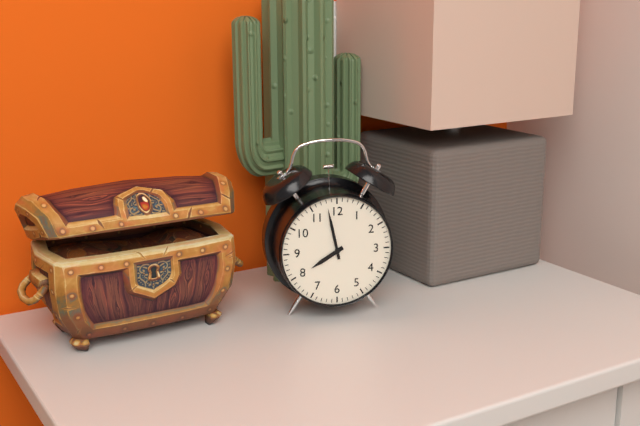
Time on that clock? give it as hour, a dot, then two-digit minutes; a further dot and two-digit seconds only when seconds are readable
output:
7.58
